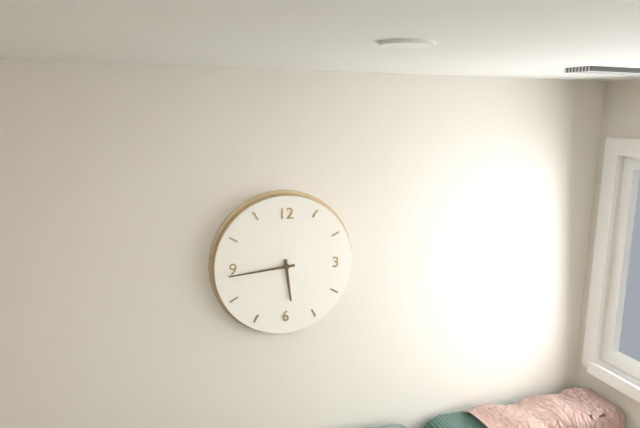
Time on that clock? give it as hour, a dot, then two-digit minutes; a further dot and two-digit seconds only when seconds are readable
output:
5.44
